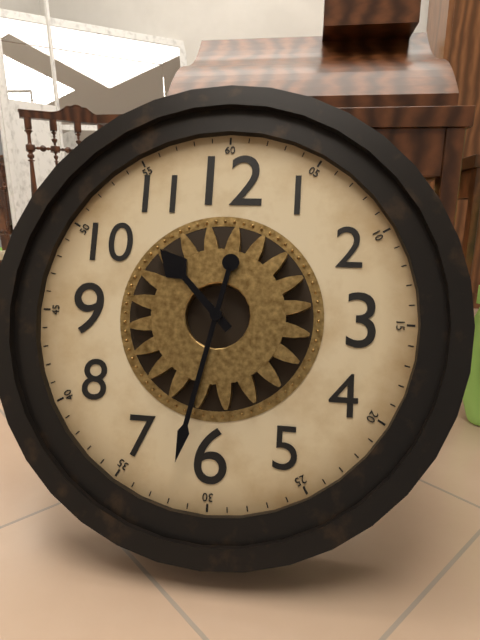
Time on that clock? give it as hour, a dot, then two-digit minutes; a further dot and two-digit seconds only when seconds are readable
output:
10.32
